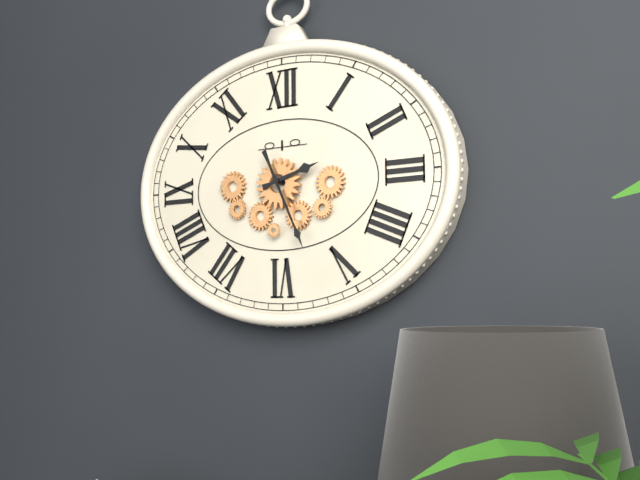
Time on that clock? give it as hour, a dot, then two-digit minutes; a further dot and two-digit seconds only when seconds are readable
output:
2.26
